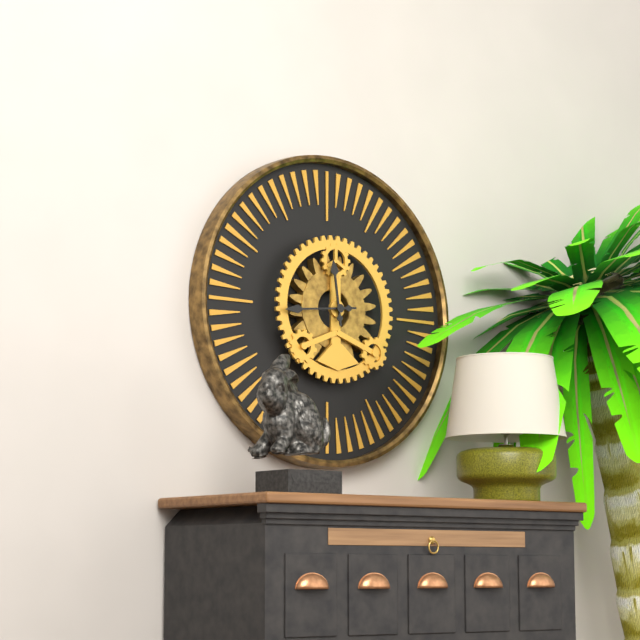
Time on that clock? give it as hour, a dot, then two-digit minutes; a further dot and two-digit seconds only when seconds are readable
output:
11.44
